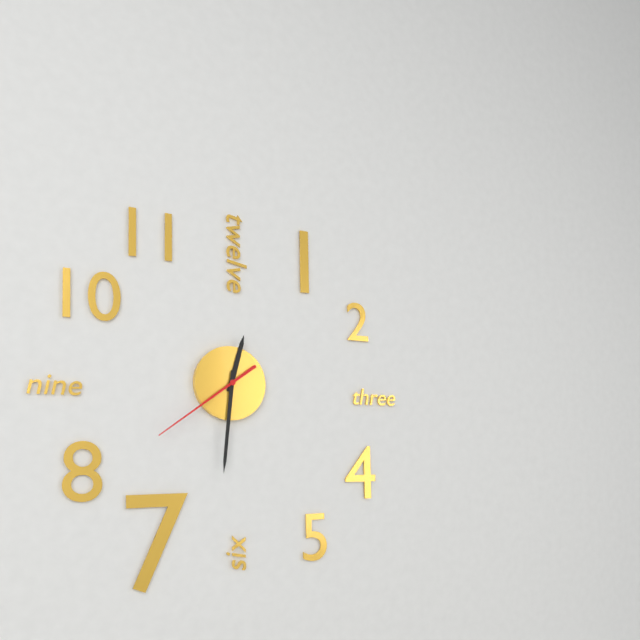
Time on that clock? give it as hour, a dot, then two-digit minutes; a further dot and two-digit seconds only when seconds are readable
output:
12.31.39
